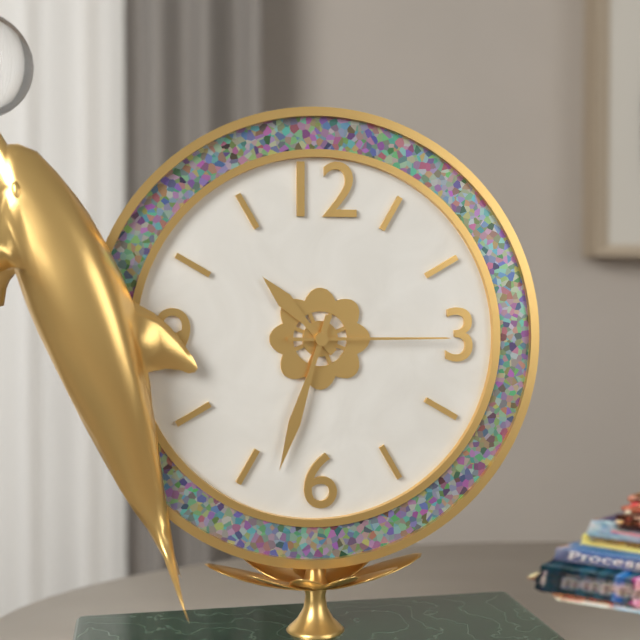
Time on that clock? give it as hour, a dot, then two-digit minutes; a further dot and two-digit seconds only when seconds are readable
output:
10.33.15
